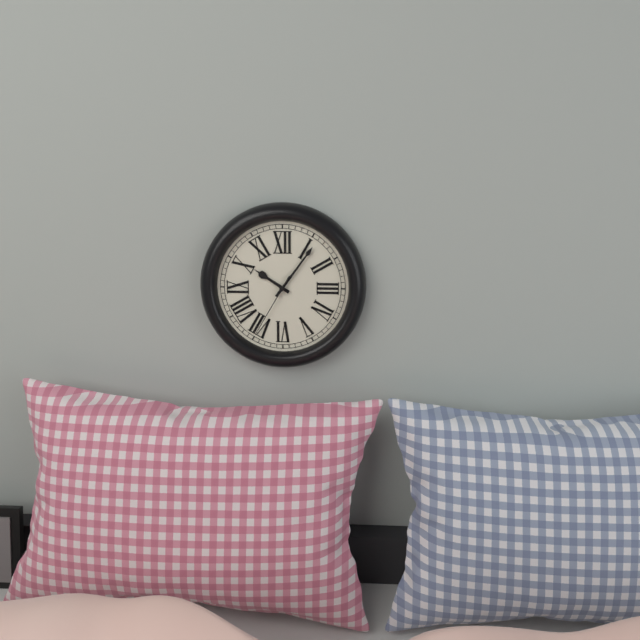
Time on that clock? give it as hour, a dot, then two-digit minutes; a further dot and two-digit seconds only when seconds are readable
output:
10.06.35
